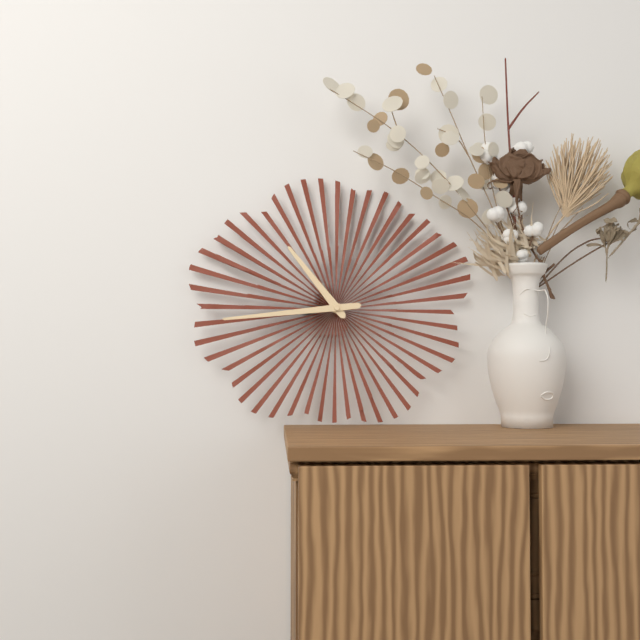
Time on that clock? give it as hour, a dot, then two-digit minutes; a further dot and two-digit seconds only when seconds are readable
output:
10.44
